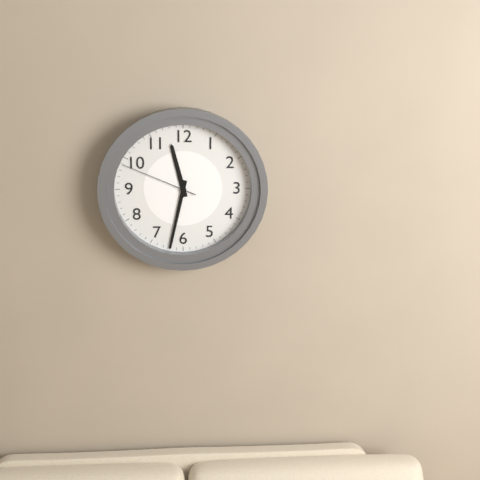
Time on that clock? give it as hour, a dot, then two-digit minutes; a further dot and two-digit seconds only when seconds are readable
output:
11.32.49
